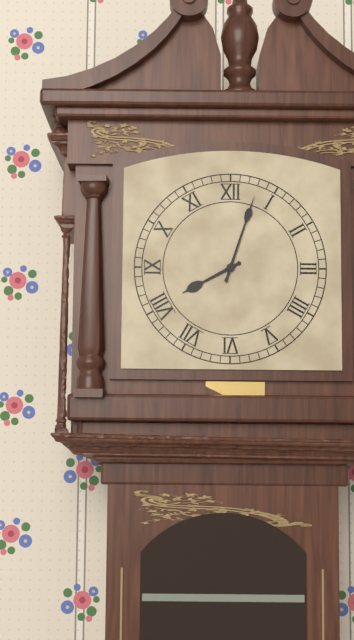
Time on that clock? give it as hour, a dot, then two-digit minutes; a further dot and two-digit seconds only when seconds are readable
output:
8.03
